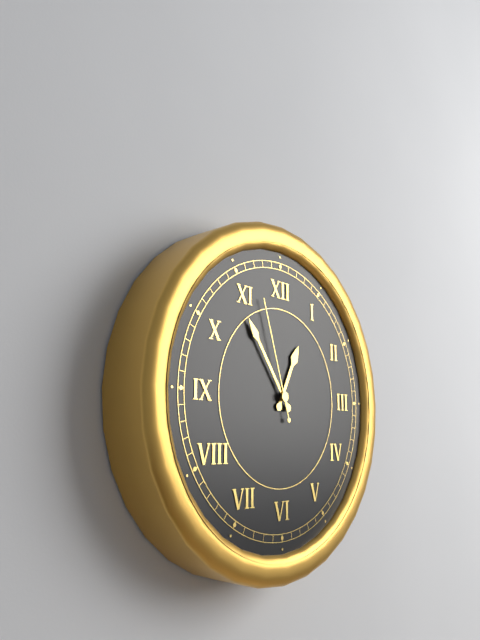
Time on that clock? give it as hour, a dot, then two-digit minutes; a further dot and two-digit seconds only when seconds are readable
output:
12.54.57
